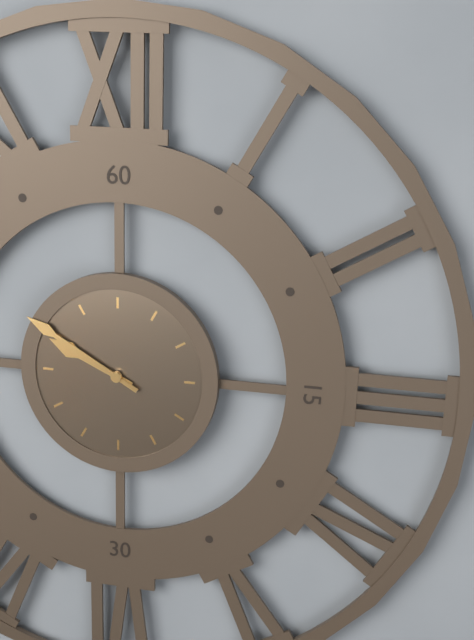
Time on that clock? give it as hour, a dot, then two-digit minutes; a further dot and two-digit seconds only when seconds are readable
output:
9.50
